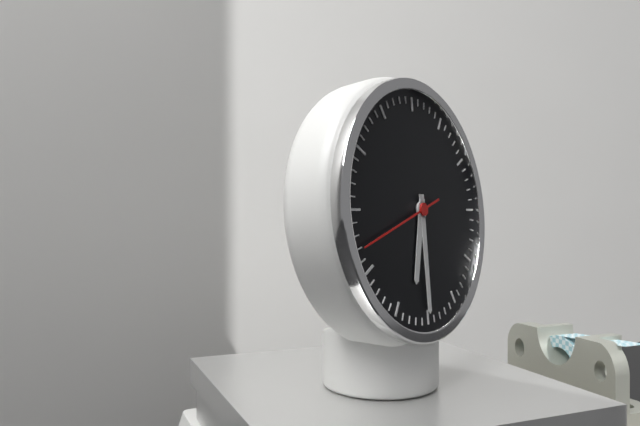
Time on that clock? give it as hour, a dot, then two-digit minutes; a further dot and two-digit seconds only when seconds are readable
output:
6.30.42
